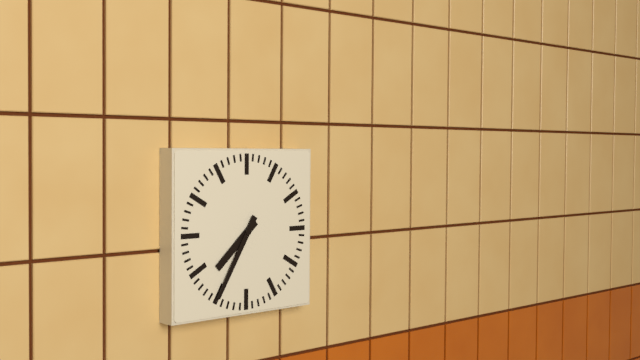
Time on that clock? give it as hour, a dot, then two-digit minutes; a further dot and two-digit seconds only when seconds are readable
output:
7.35
